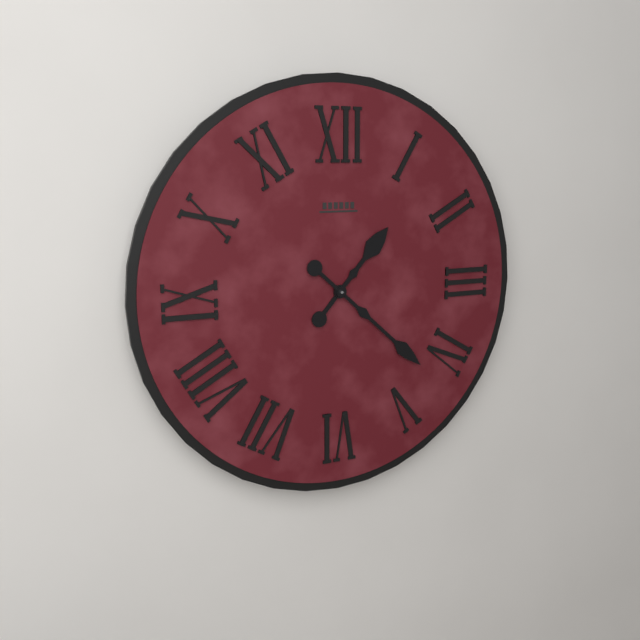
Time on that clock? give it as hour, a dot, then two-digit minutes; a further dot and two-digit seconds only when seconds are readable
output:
1.22
